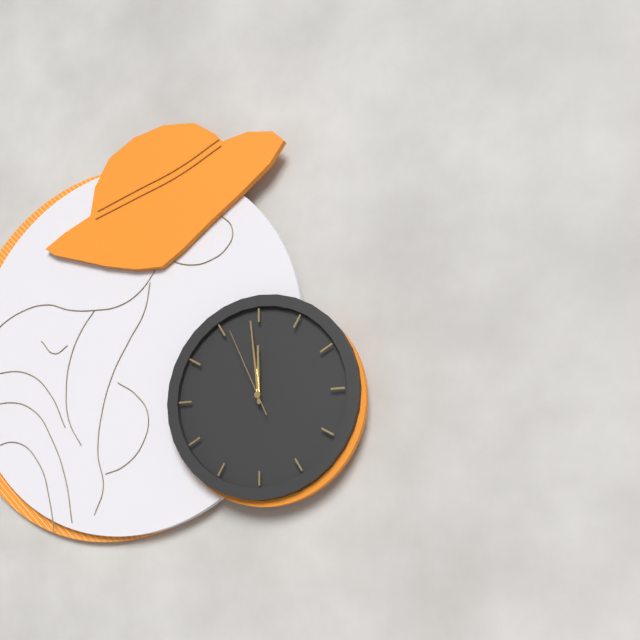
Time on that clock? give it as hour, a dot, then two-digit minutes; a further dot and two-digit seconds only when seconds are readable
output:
11.59.56
